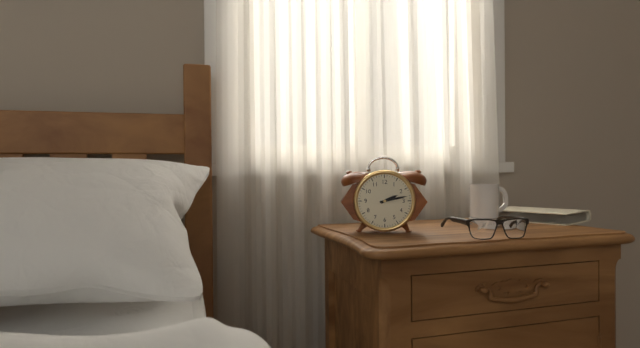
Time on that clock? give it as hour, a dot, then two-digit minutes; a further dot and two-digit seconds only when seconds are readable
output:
2.13
